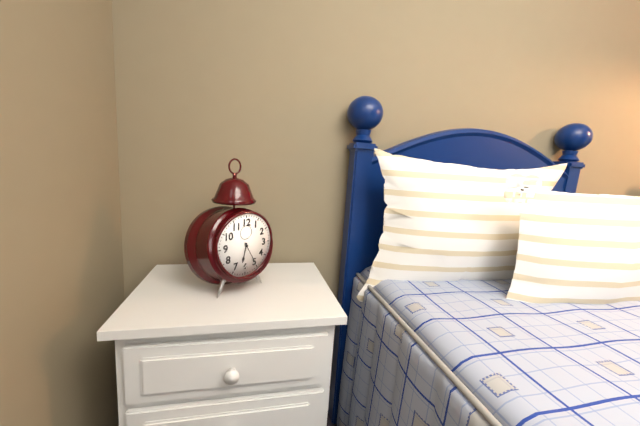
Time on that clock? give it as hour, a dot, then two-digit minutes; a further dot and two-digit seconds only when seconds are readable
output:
6.25
